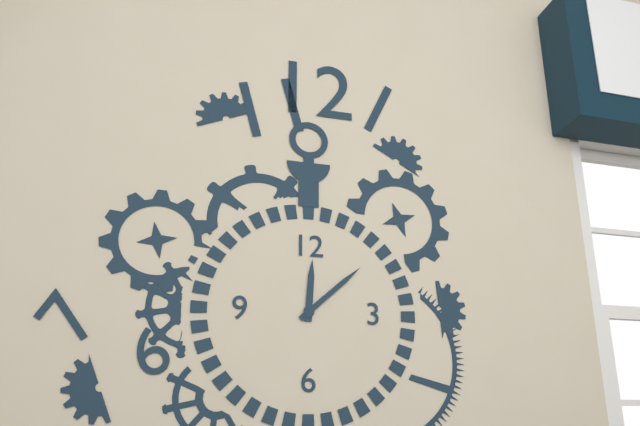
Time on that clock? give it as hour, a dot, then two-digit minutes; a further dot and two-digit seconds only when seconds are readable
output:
12.08
